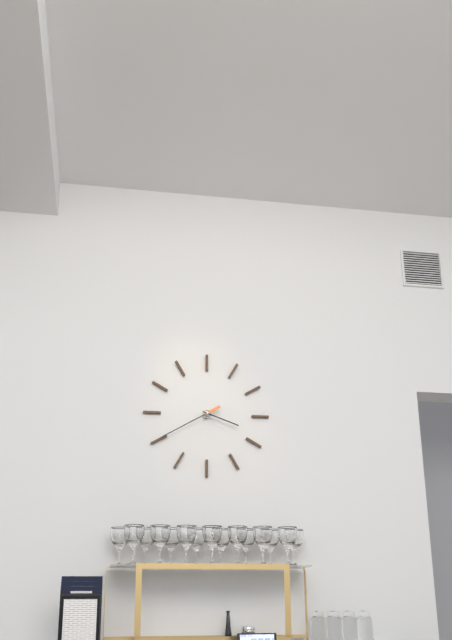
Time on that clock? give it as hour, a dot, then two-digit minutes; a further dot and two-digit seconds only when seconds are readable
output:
3.40
